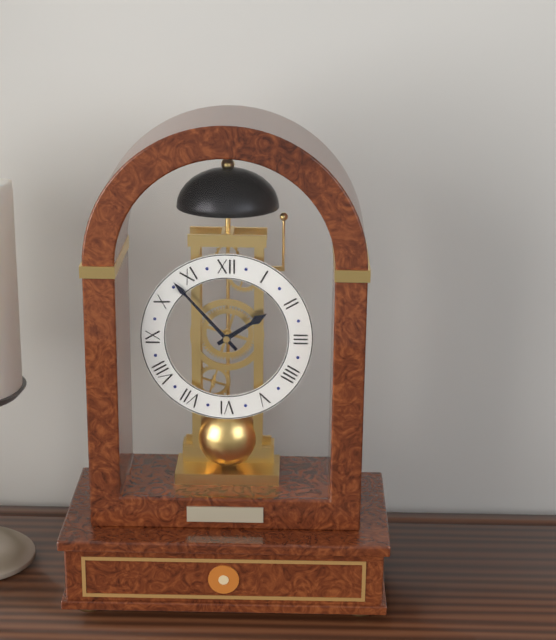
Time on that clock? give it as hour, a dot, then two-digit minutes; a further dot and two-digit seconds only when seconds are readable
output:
1.53
